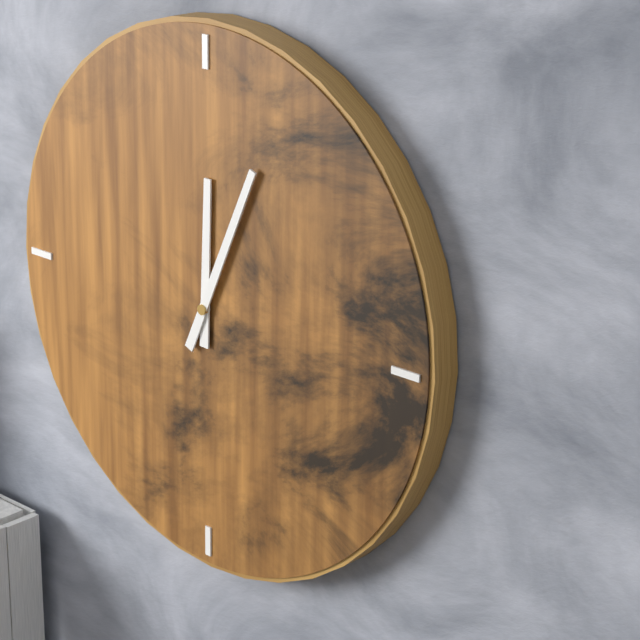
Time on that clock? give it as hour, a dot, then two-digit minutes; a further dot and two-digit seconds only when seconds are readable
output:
12.04
